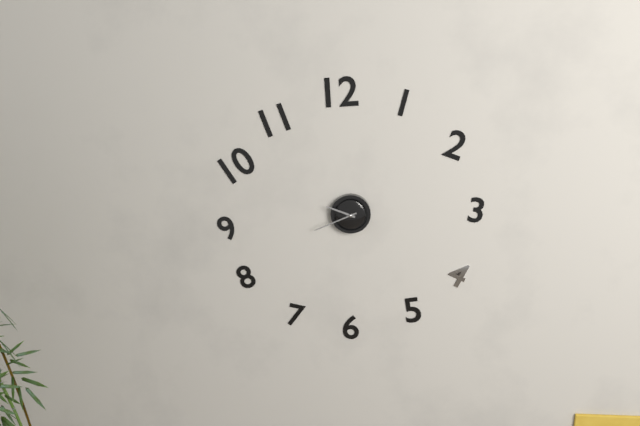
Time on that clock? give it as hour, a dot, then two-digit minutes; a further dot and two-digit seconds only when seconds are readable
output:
9.41
